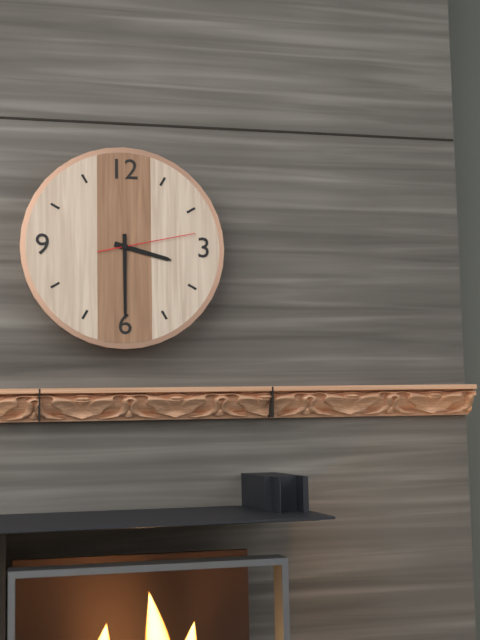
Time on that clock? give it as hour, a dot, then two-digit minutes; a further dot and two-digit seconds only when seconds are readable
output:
3.30.13
